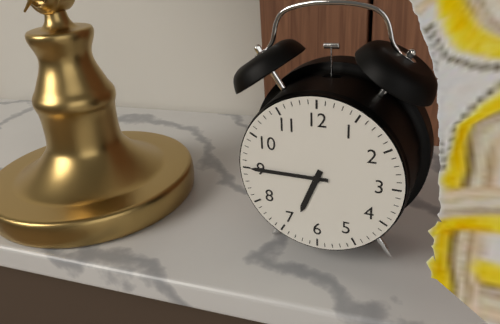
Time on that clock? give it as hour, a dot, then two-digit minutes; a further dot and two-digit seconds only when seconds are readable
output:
6.45
